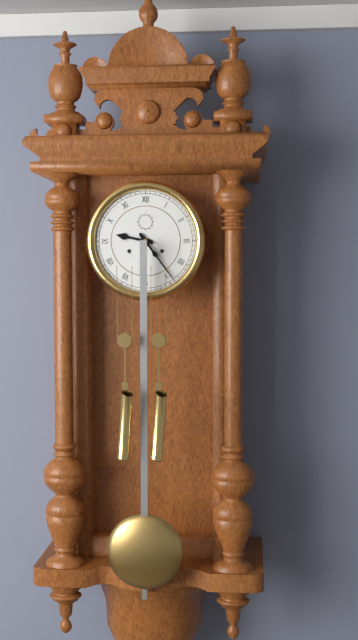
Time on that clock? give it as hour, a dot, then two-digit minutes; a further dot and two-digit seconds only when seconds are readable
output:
9.24
